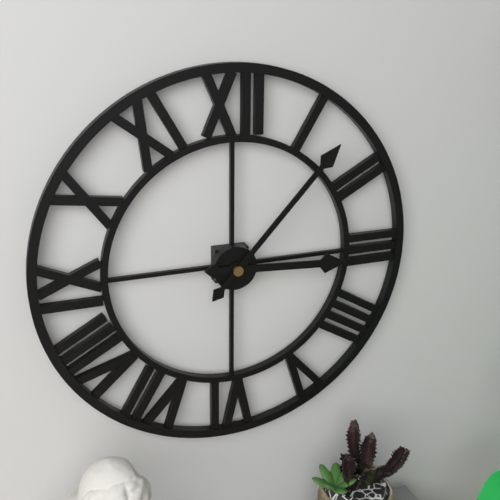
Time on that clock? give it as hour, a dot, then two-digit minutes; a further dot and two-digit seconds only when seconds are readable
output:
3.07
